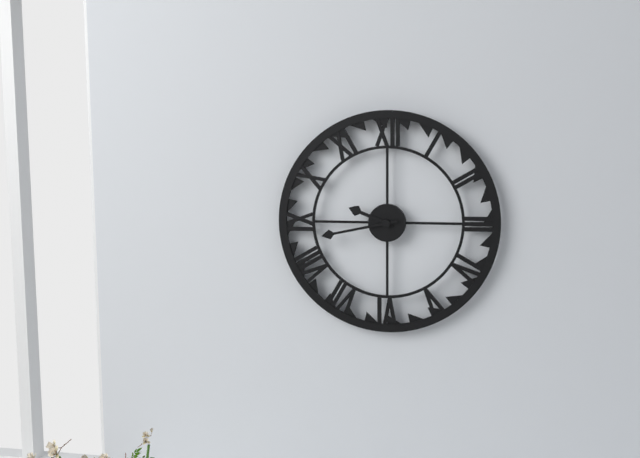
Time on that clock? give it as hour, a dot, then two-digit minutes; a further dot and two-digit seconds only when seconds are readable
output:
9.43
